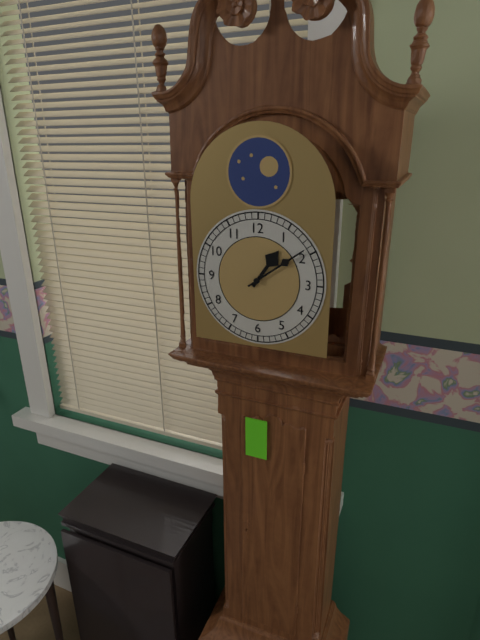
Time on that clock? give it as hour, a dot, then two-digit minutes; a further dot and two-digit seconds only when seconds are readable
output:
1.09
